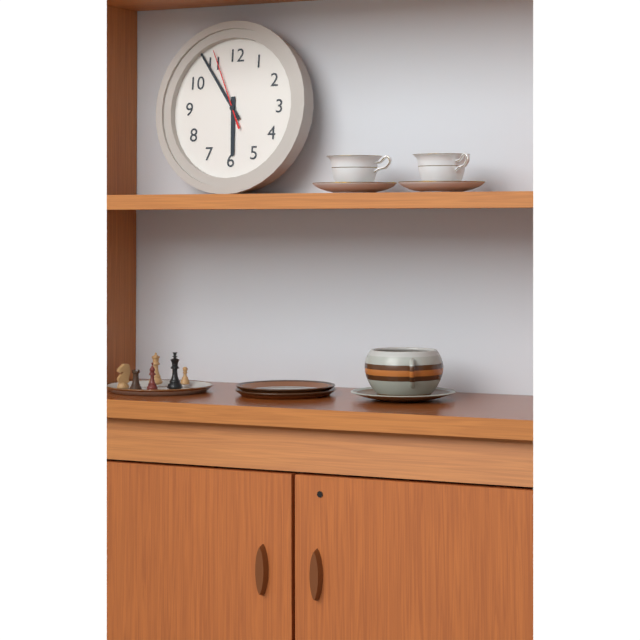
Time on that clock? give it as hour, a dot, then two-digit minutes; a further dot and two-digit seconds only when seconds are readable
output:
5.54.56
